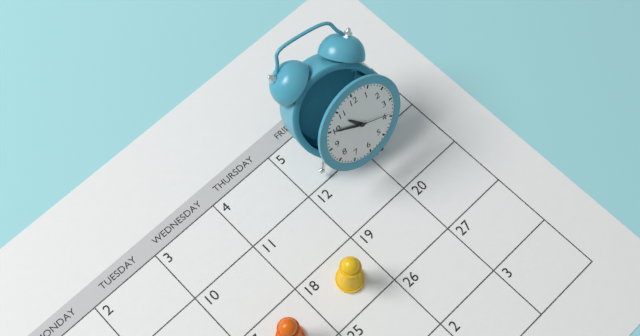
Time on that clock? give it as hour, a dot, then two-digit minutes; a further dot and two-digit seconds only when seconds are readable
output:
10.50.19
